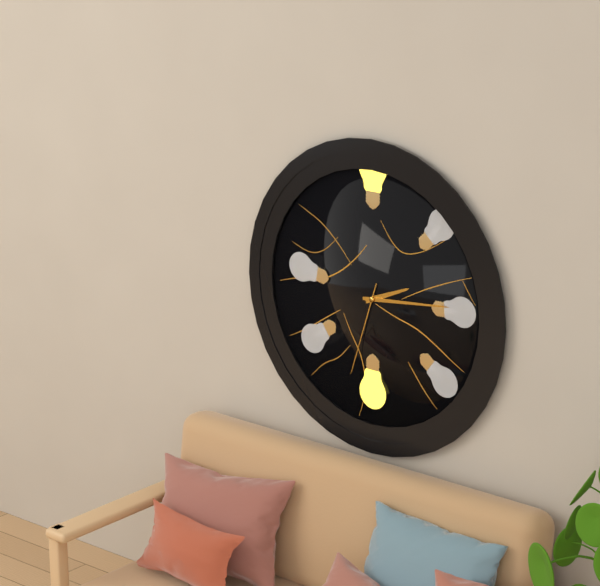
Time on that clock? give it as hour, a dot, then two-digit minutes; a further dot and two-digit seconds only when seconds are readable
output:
2.14.33
